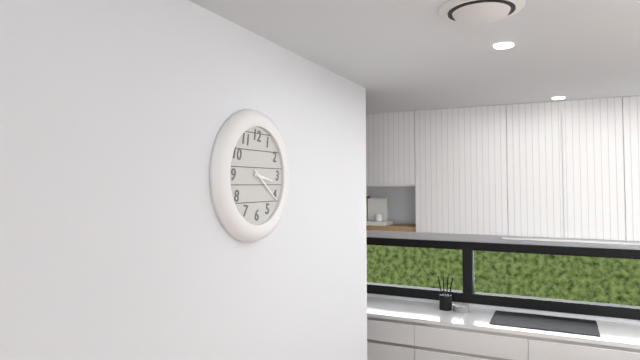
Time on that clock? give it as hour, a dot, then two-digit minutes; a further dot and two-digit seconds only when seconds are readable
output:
3.21
